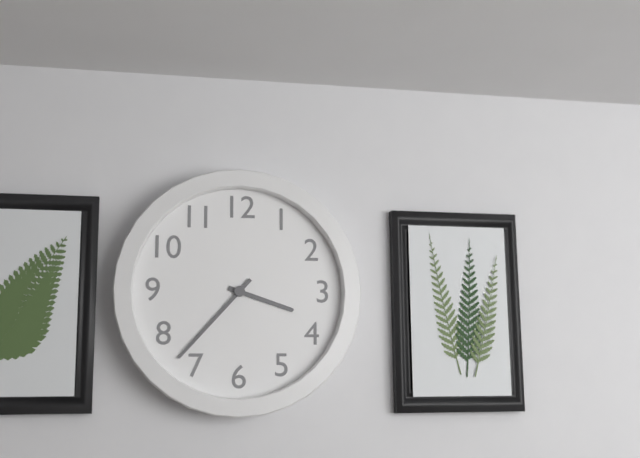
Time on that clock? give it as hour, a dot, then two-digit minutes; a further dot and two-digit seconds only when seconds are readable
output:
3.37
